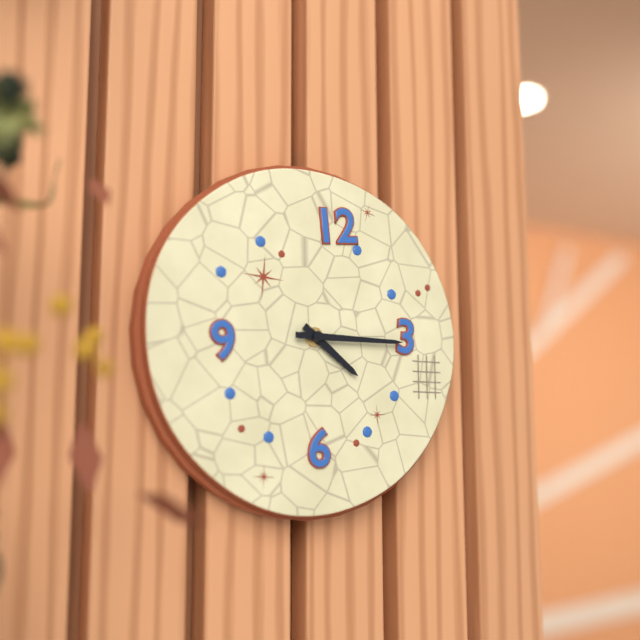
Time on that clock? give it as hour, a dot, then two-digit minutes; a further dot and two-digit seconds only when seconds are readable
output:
4.15
